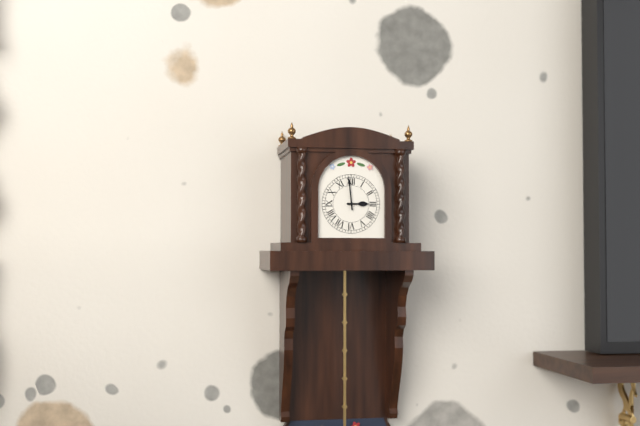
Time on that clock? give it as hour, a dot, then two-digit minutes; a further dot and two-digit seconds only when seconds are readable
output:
2.59
